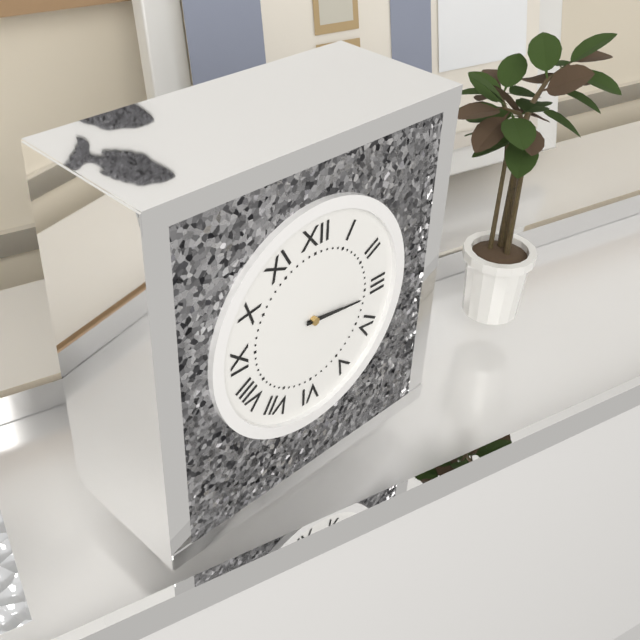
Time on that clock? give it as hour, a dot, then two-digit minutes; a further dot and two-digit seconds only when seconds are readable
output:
3.16
